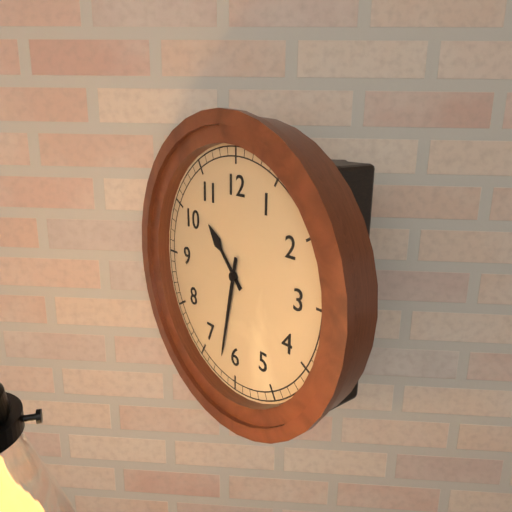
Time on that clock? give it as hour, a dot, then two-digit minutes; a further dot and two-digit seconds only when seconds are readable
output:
10.32
